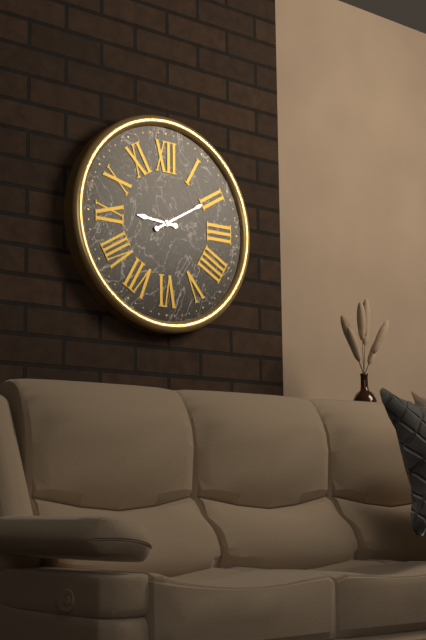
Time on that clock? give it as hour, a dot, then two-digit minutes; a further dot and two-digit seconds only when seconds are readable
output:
9.10
